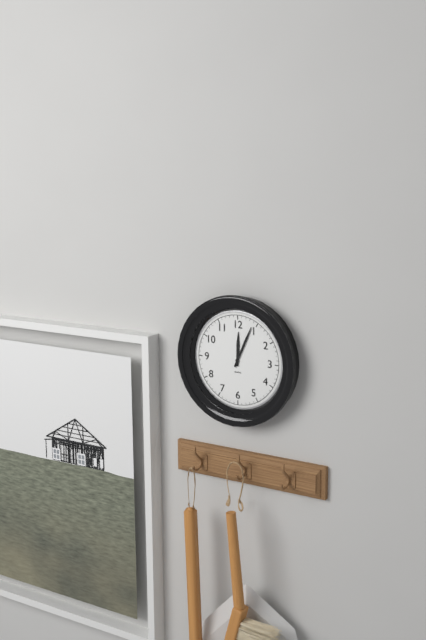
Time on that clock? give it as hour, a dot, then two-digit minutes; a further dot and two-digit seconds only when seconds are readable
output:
12.04
